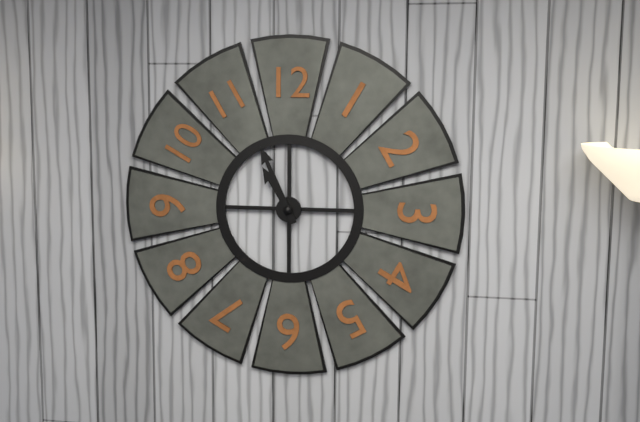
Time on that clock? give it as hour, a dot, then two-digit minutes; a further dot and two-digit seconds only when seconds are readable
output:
10.56
